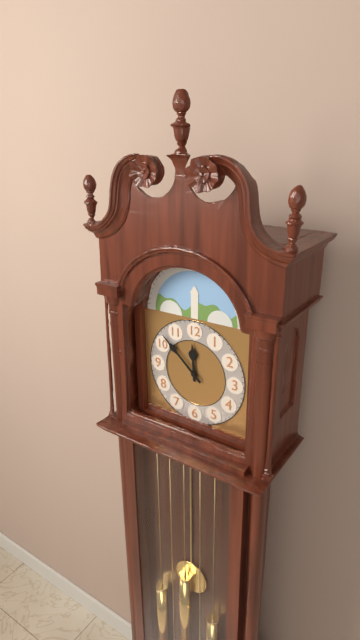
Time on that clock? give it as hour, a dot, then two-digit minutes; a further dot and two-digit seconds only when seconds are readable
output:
11.52
